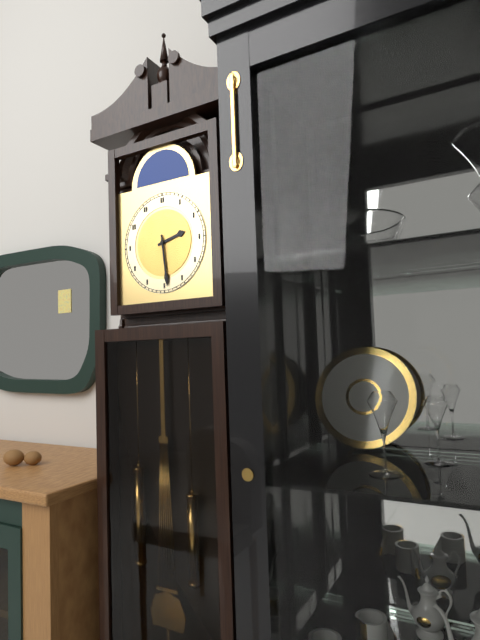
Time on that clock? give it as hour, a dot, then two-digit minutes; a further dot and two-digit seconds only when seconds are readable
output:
2.29
